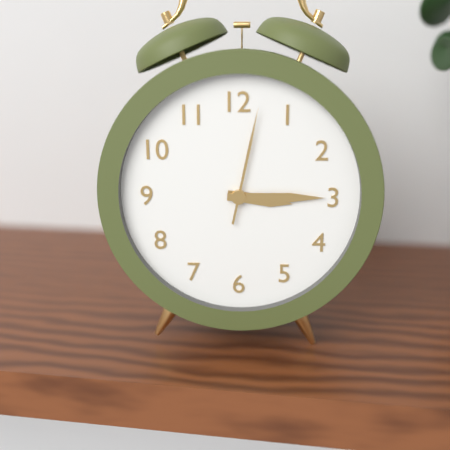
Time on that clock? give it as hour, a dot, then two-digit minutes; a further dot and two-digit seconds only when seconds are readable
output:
3.15.02
